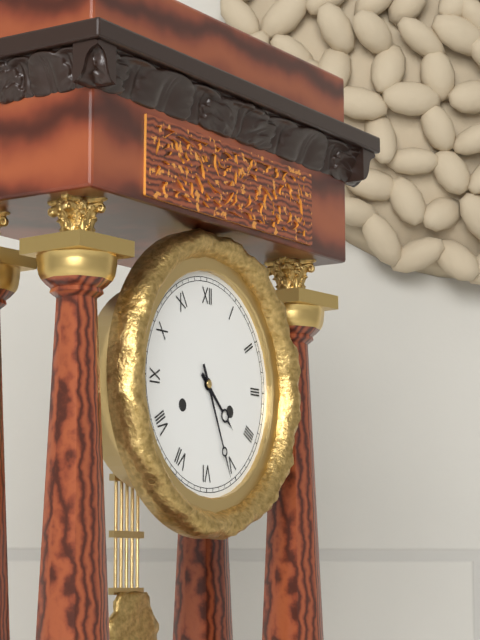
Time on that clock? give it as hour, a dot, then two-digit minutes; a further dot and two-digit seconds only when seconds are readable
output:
4.26
